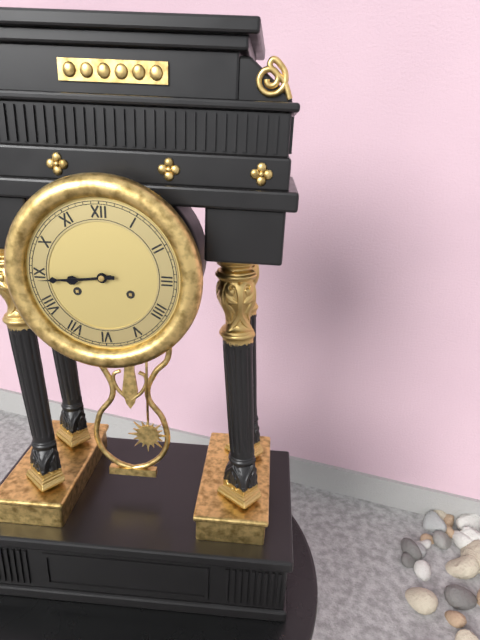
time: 8:44
